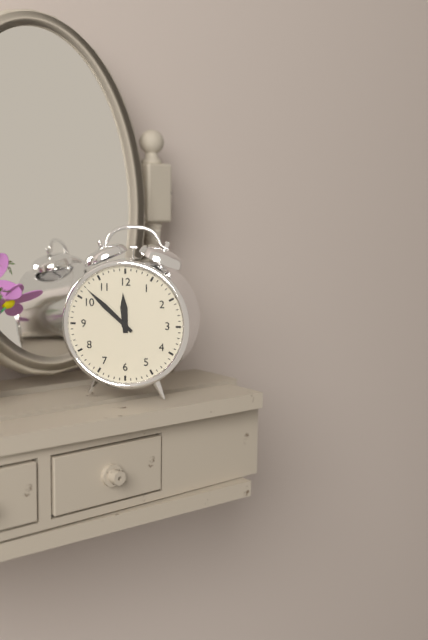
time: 11:52
